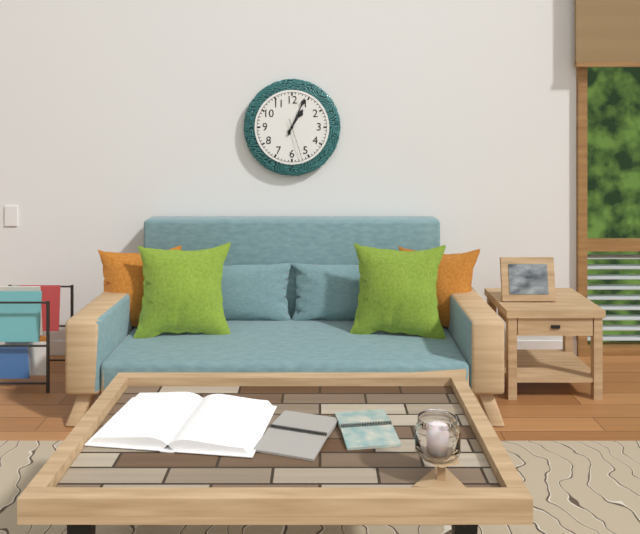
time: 1:04
